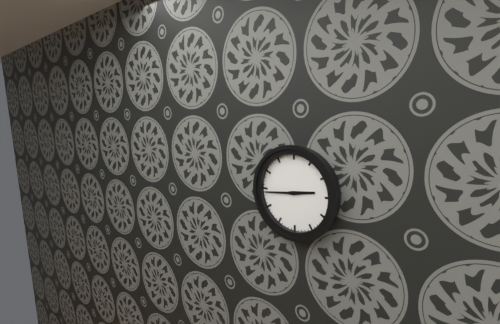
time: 2:44
